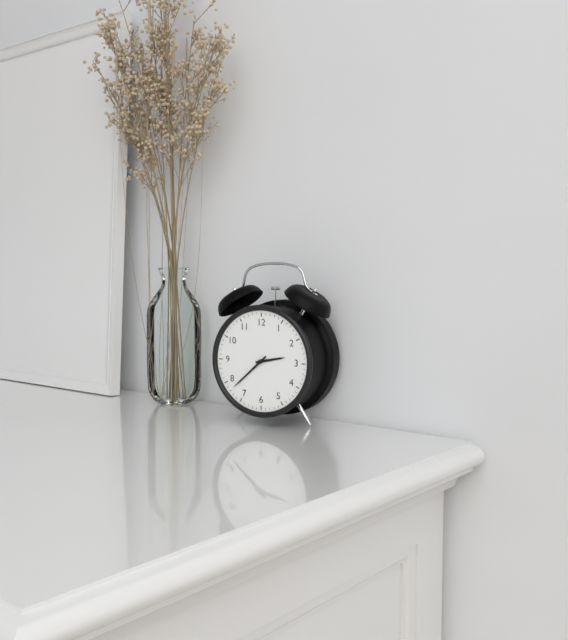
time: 2:38
